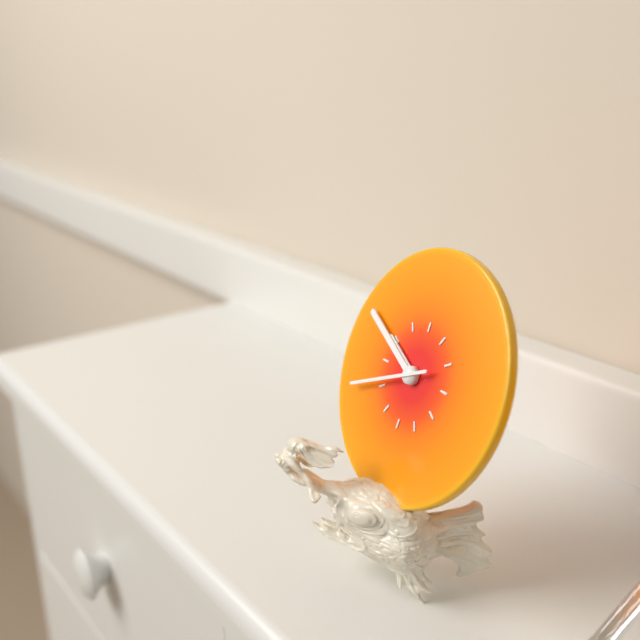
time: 9:49:41
